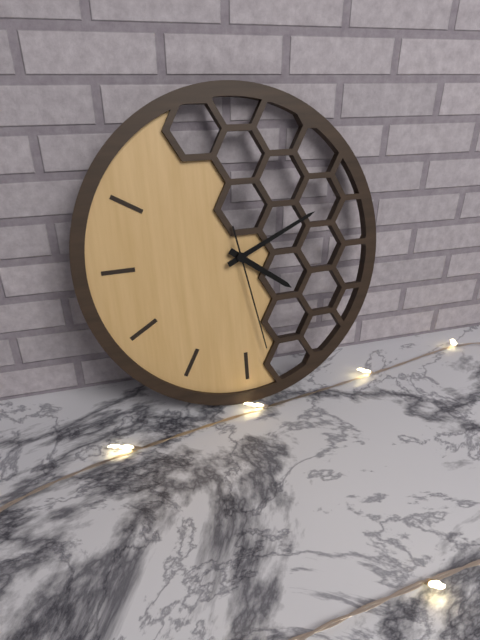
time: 4:11:28
